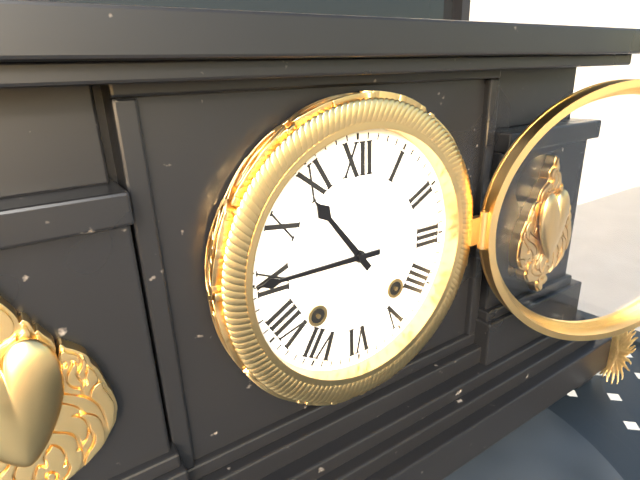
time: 10:45
